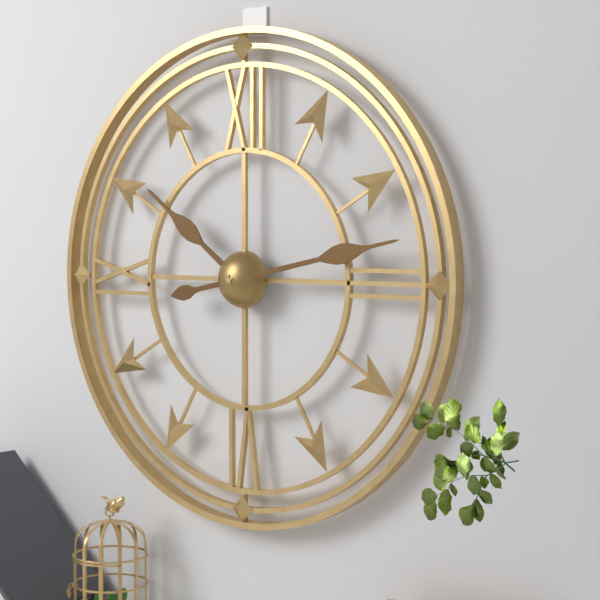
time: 10:13
